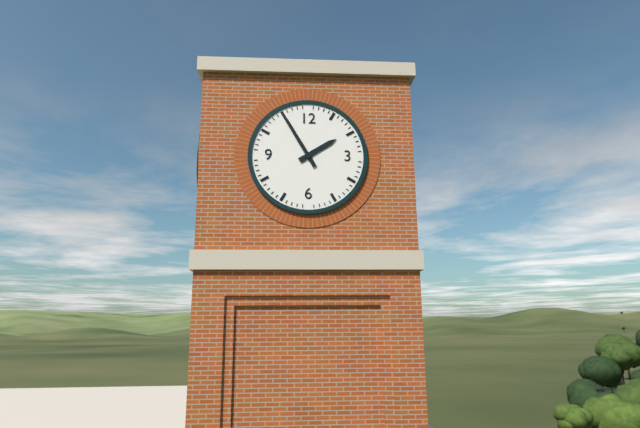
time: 1:55
